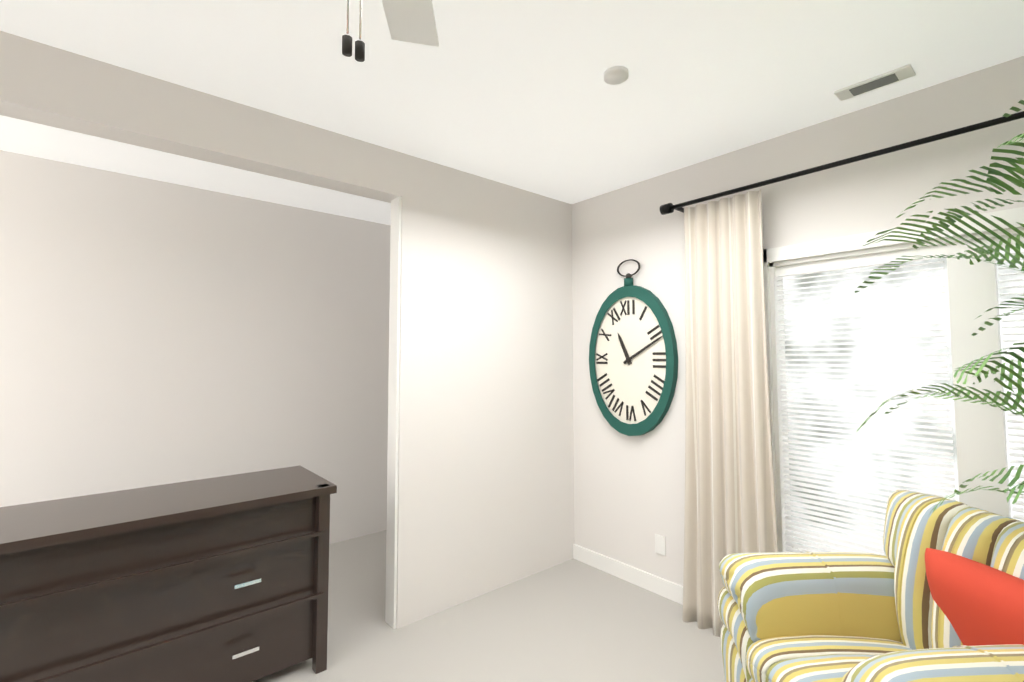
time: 11:10
